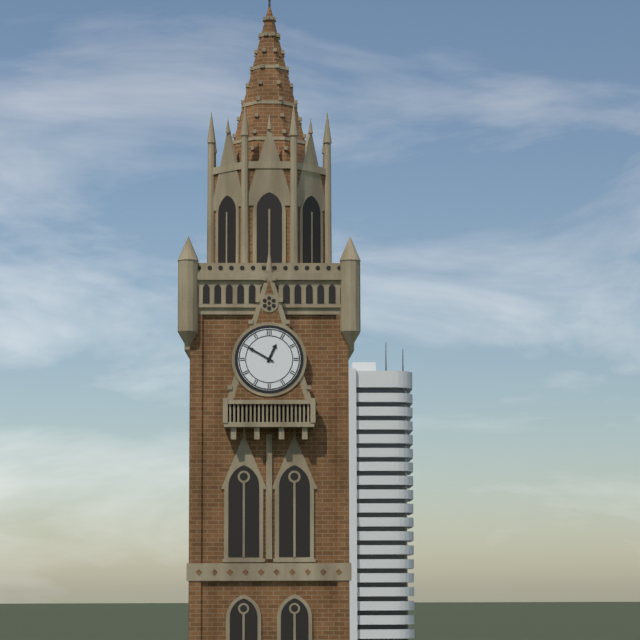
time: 12:50
